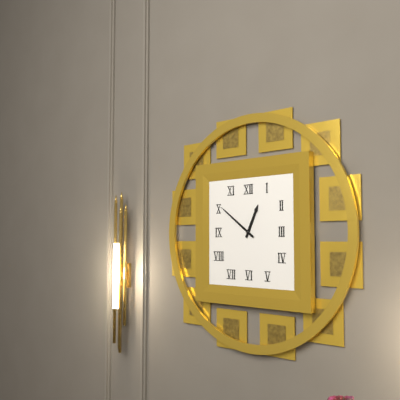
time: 12:51
